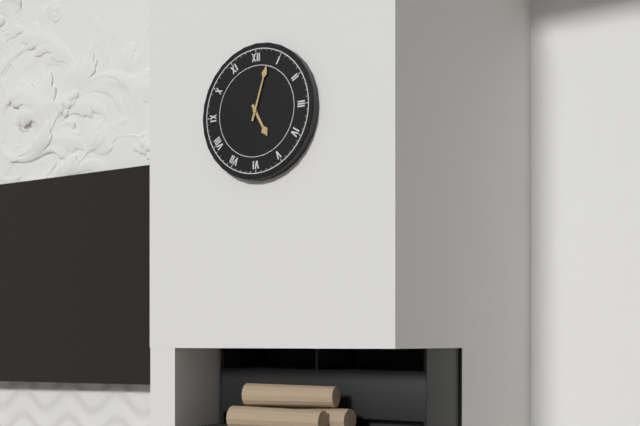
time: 5:03
